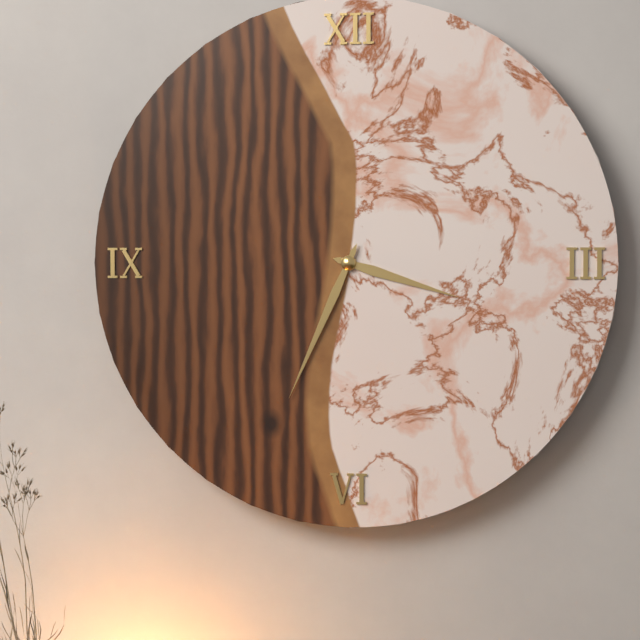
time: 3:34
